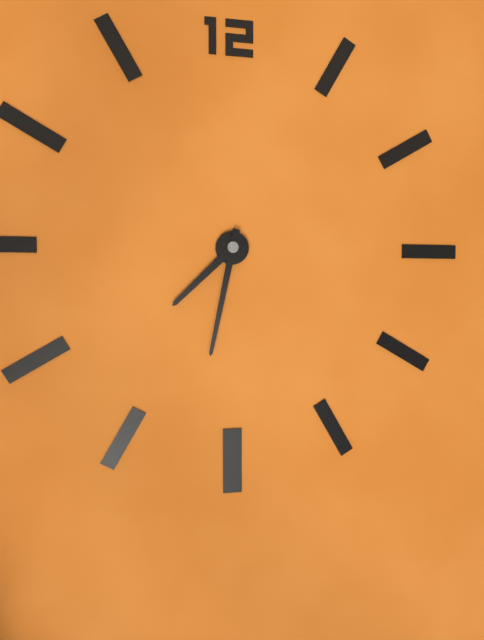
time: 7:32
